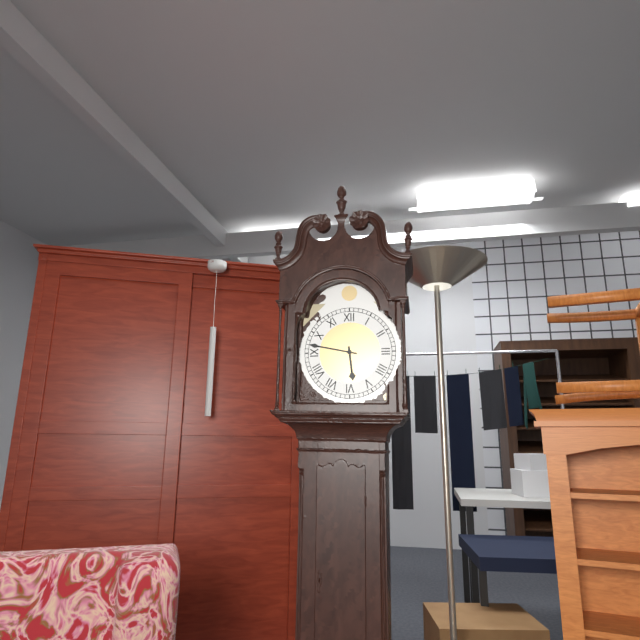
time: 5:47
